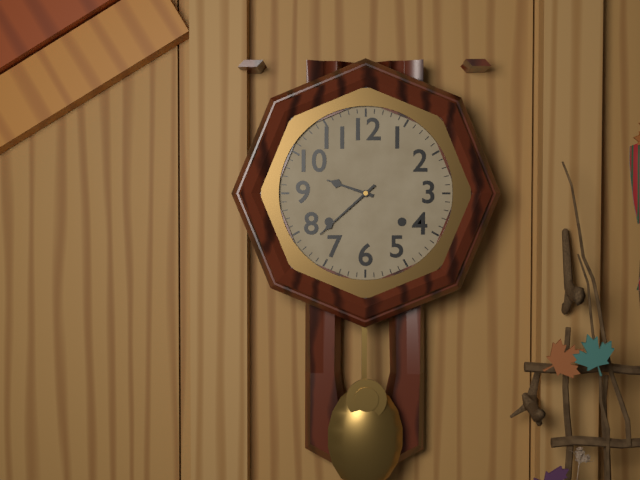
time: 9:38
